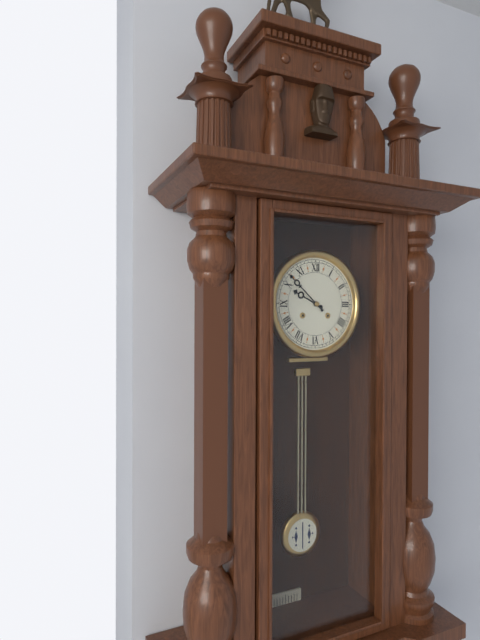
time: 9:52
